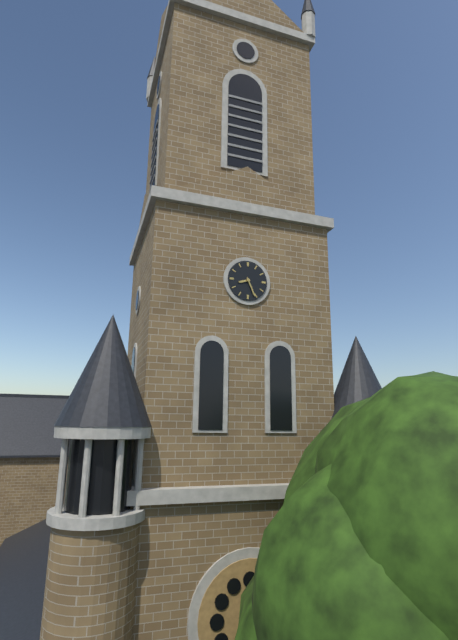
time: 8:26
